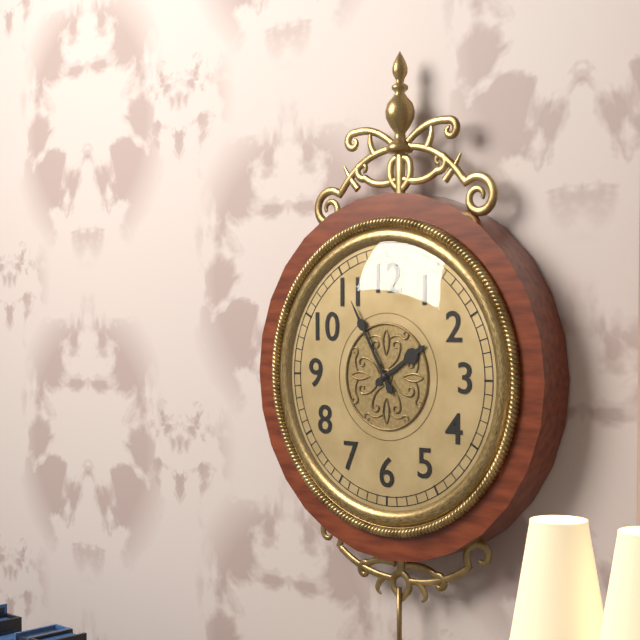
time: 1:55
